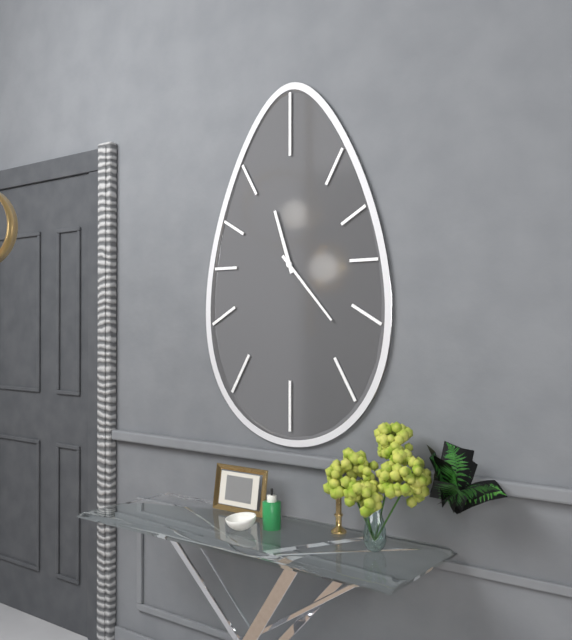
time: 11:23
